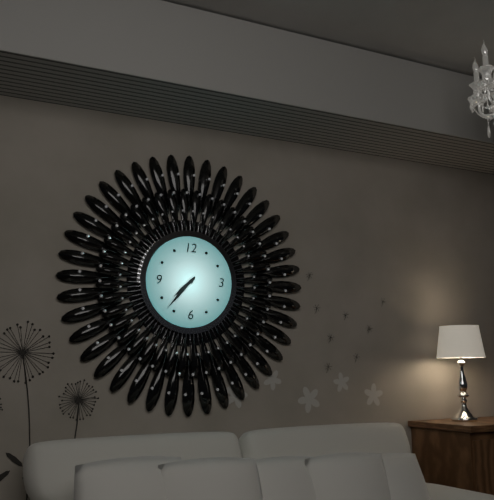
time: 7:37
